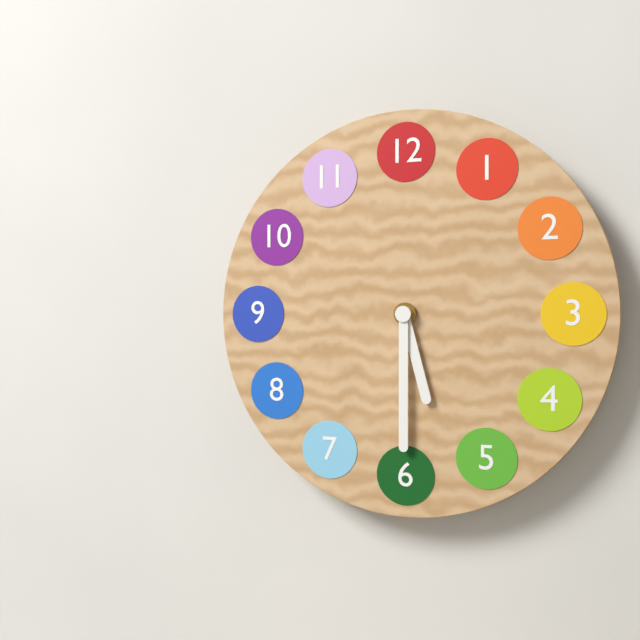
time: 5:30
